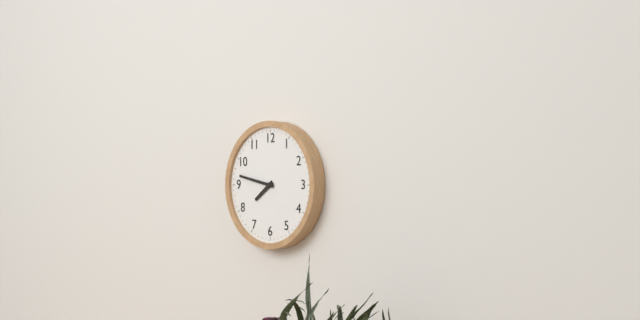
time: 7:47
